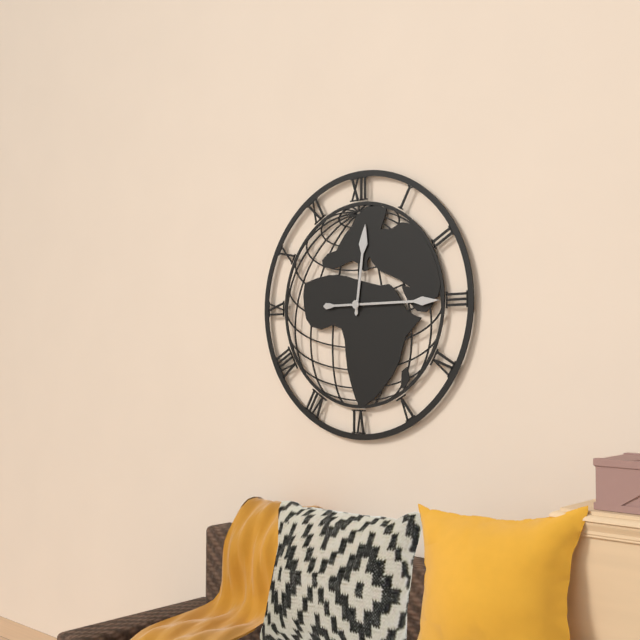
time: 12:15
